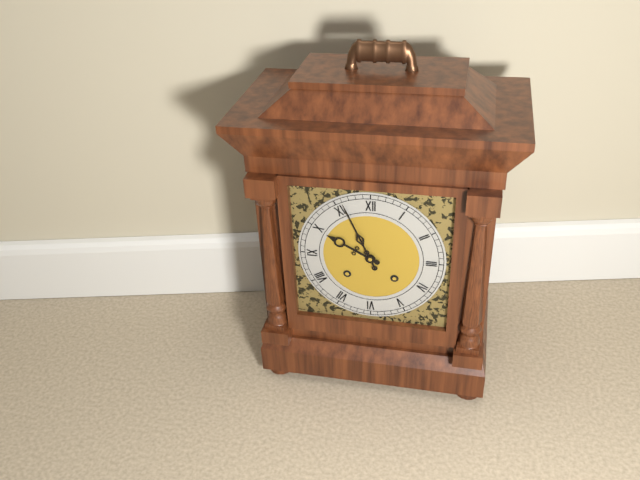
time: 9:56
